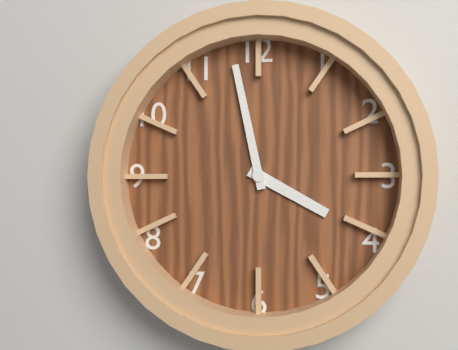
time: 3:58
